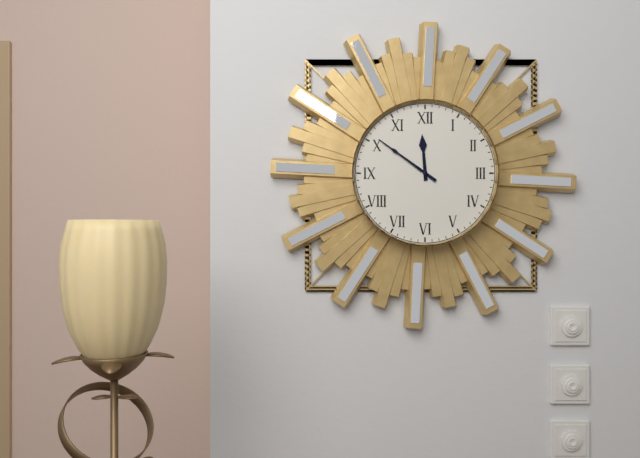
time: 11:51
